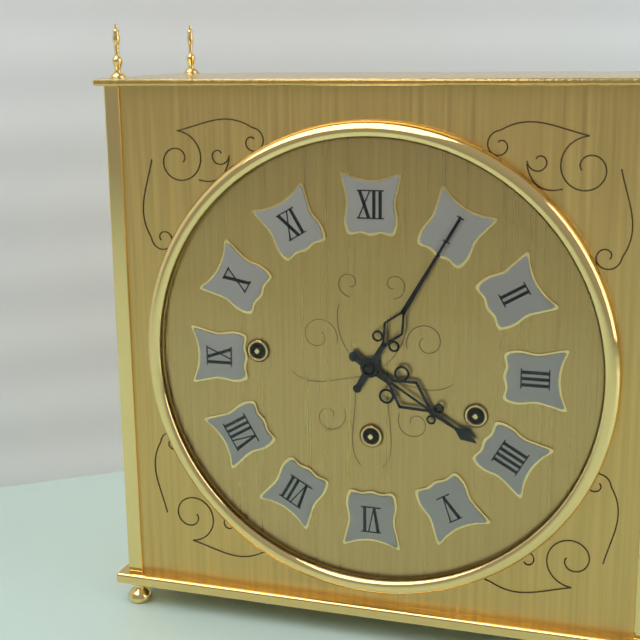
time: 4:05
